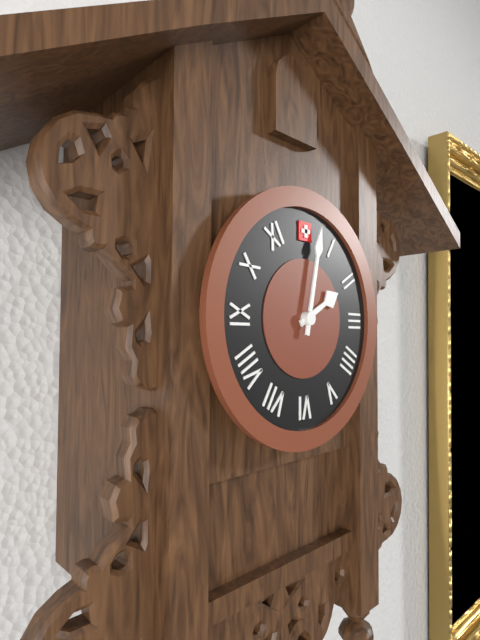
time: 2:02
